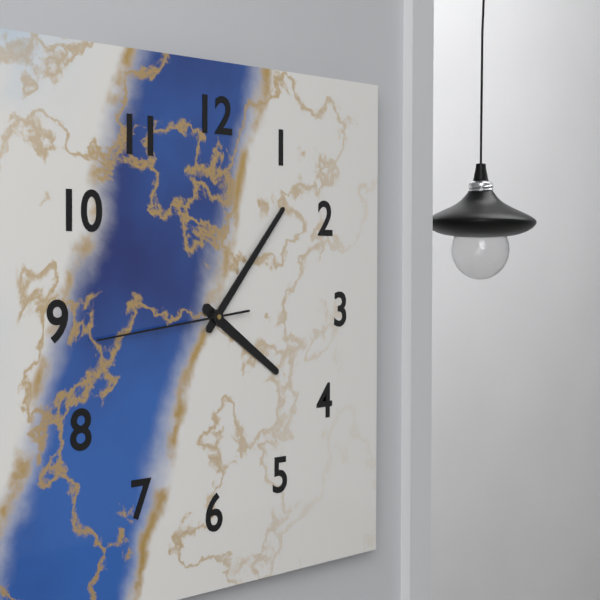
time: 4:07:44
